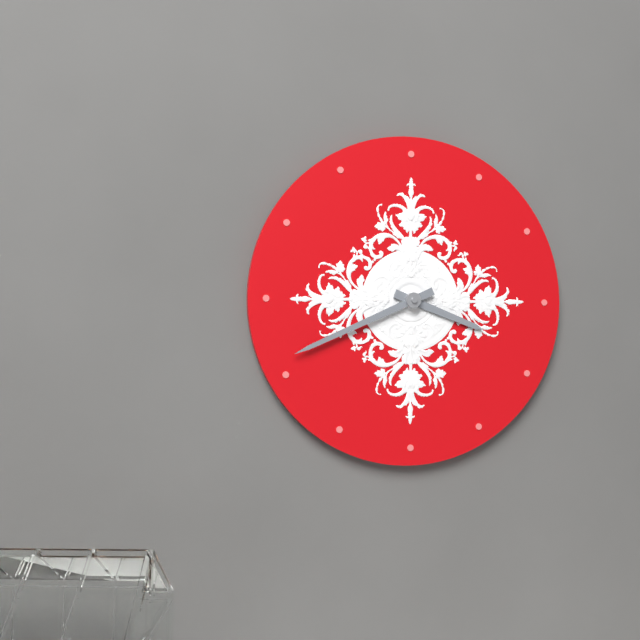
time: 3:41
